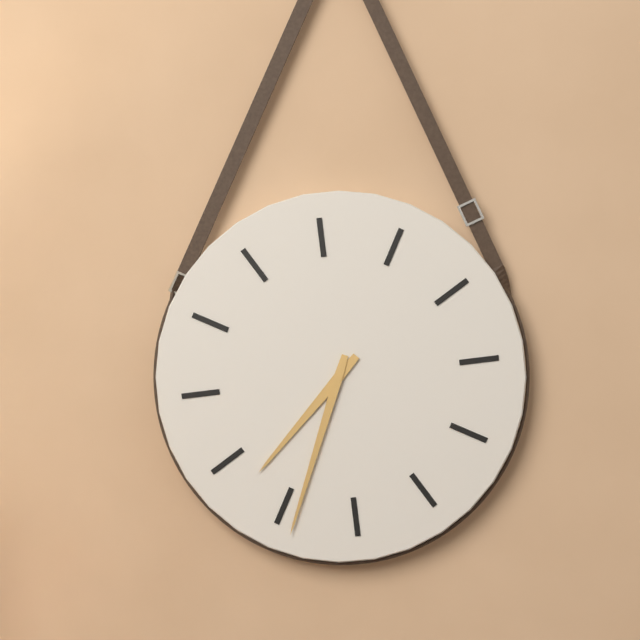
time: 7:34
